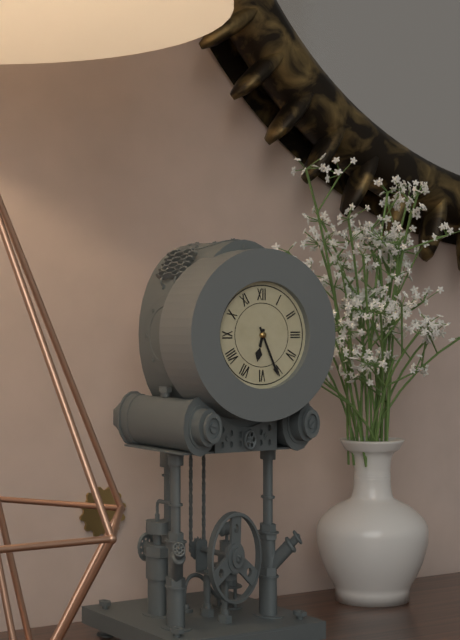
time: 6:26
